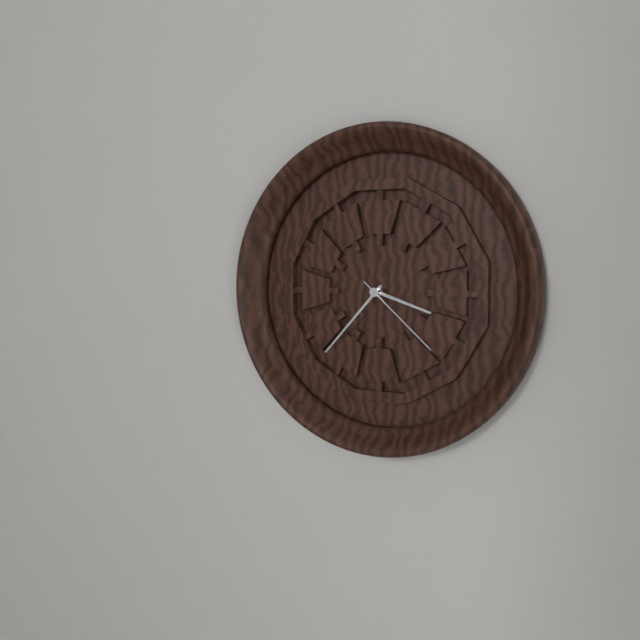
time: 3:37:22
